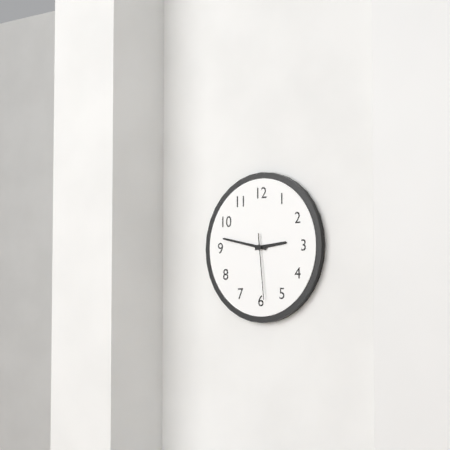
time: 2:47:29
